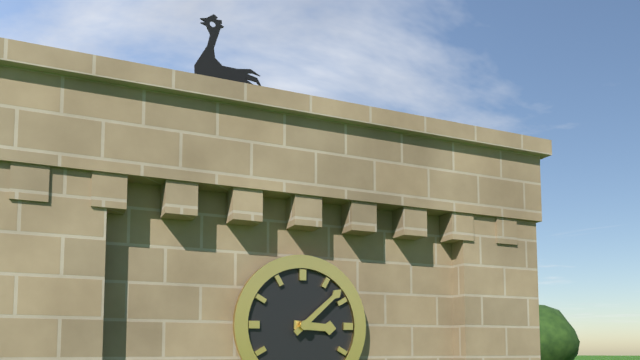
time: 3:08
